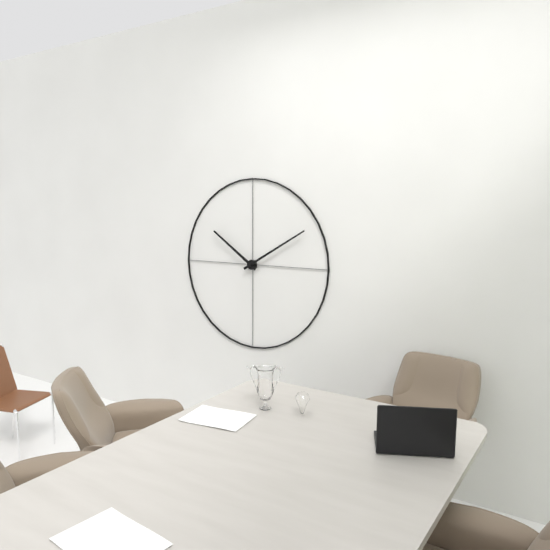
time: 10:10
